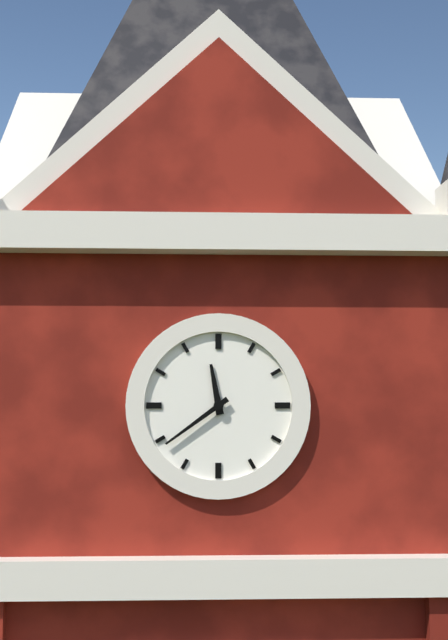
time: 11:39
